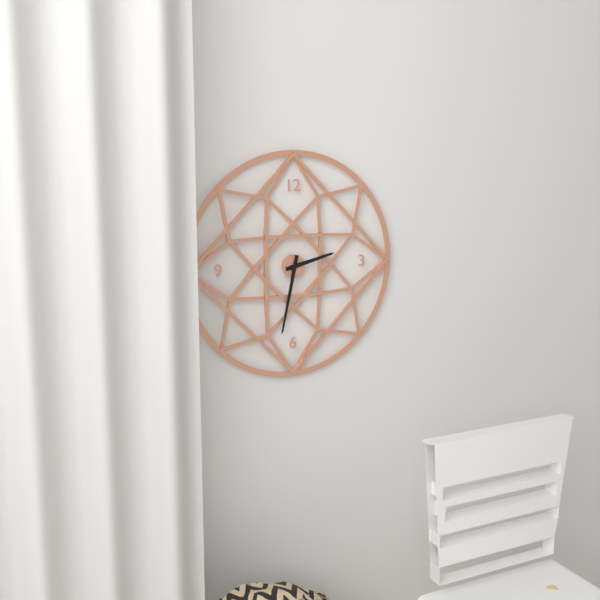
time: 2:32
